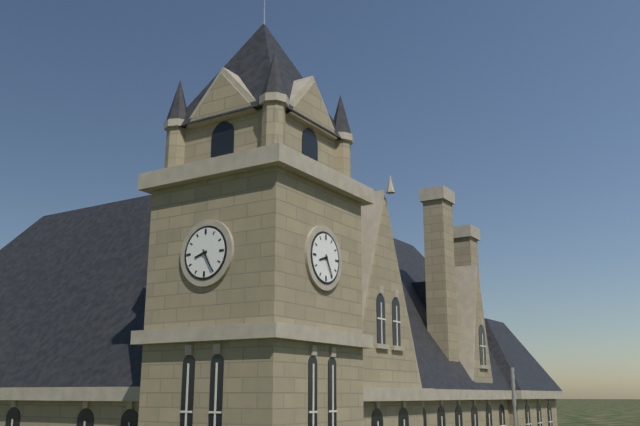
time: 8:25
